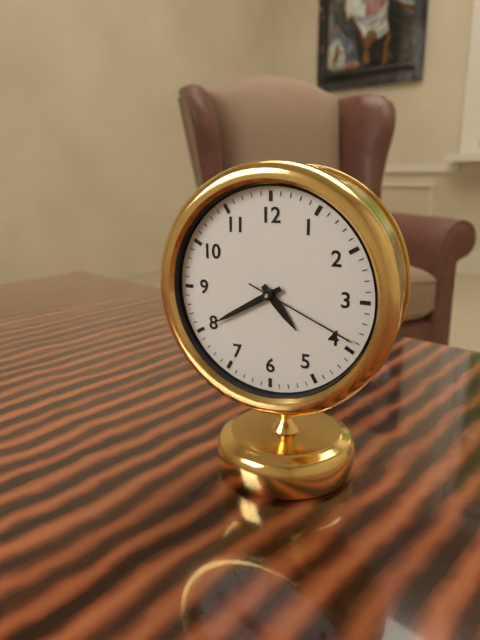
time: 4:40:19
